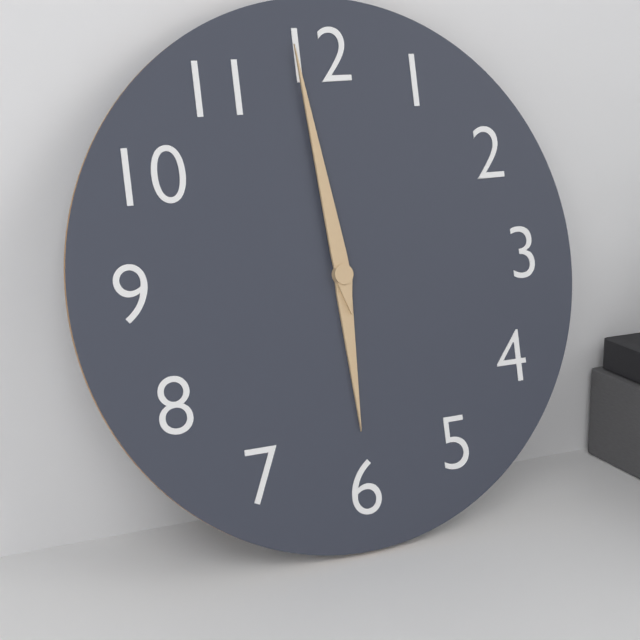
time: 5:59
